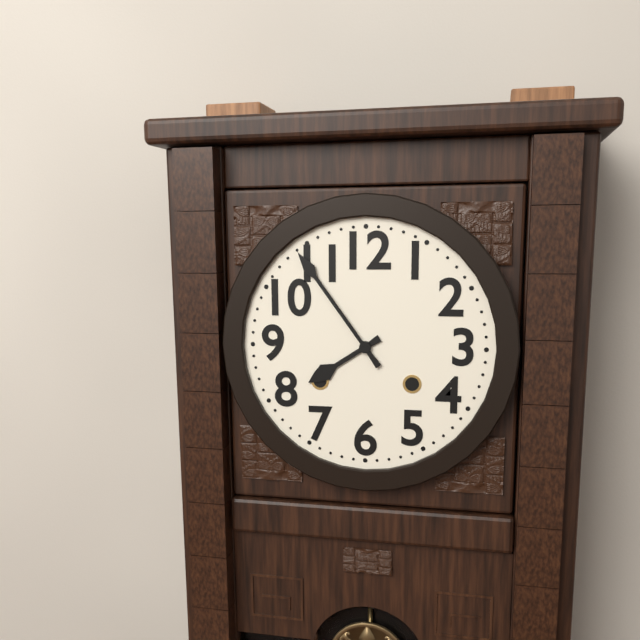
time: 7:54
